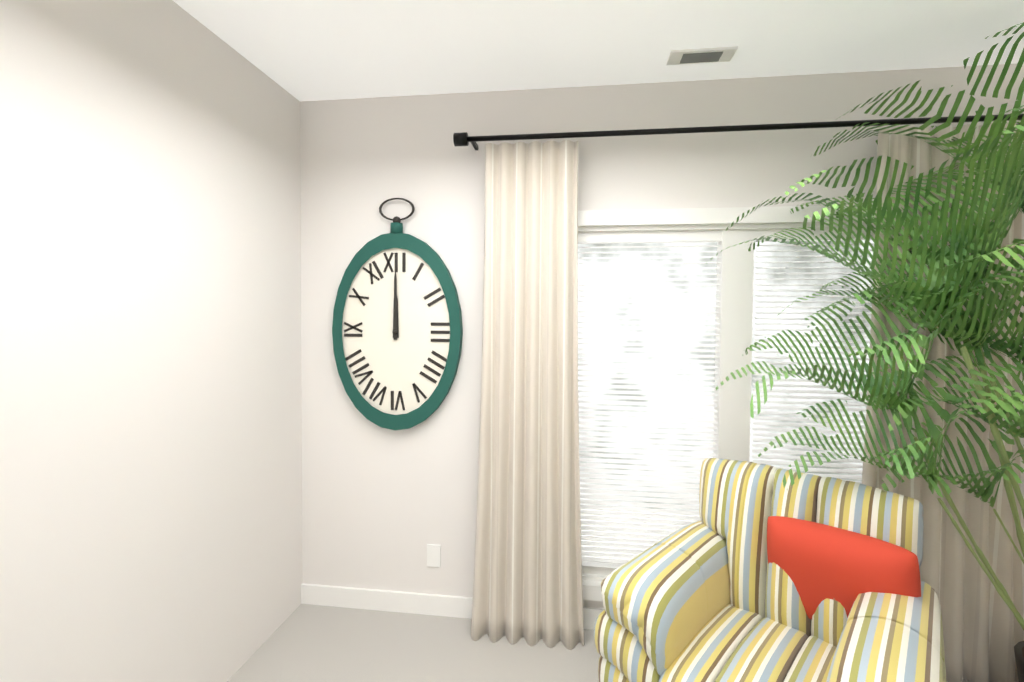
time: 12:00
